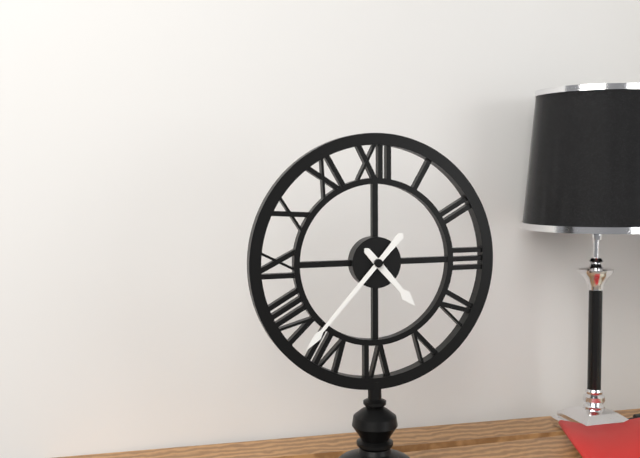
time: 4:37
